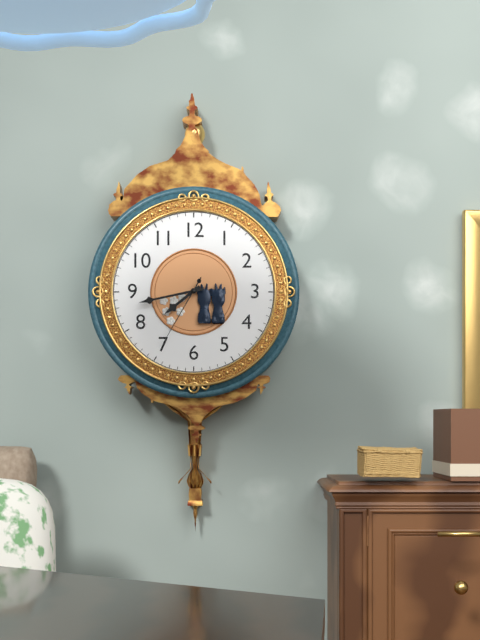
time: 7:43:35
